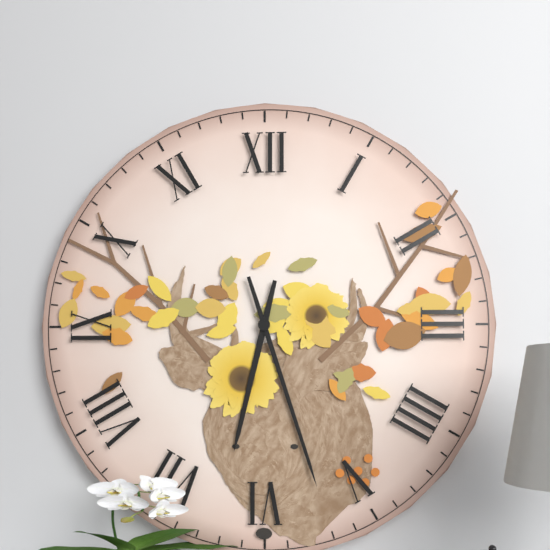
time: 6:27
